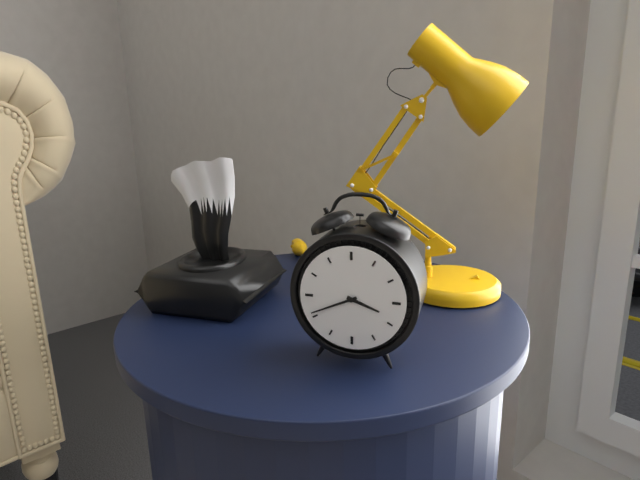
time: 3:41
